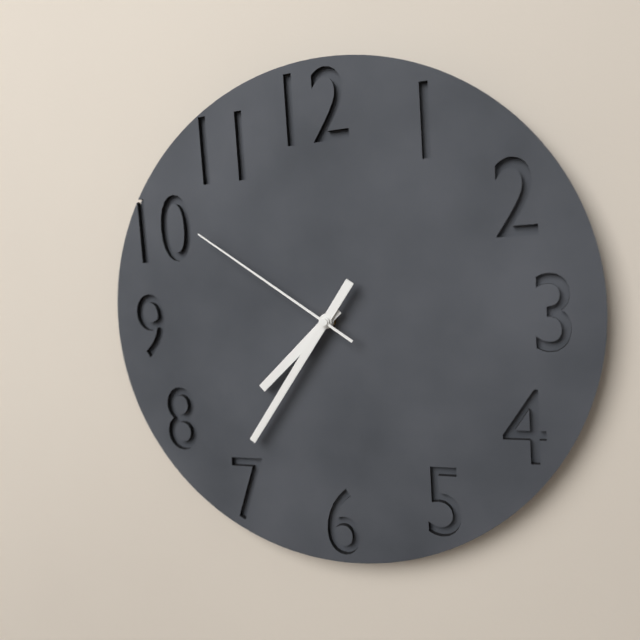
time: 7:36:51
